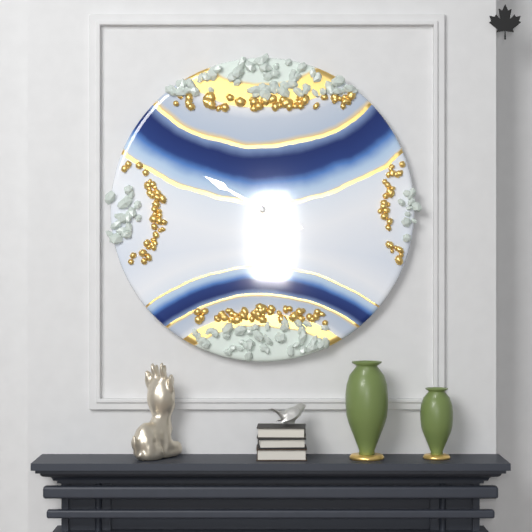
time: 3:50
